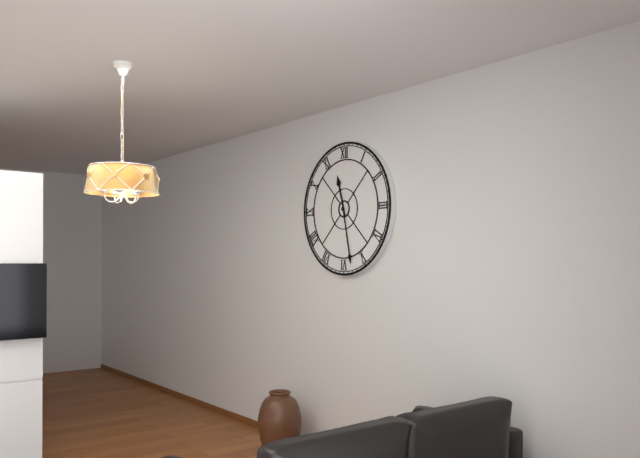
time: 11:28
